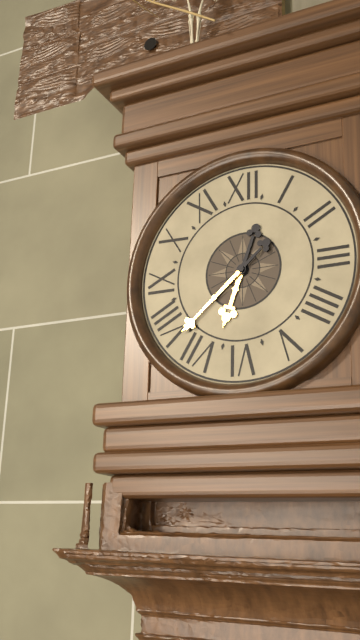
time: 6:38
